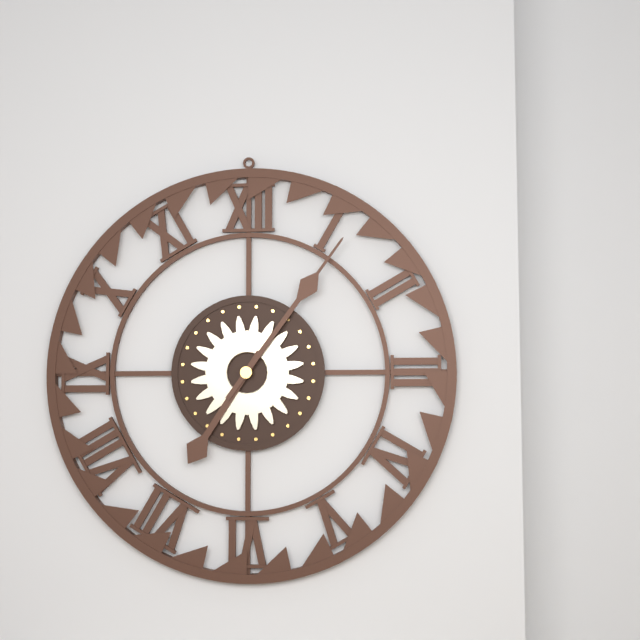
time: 7:06
